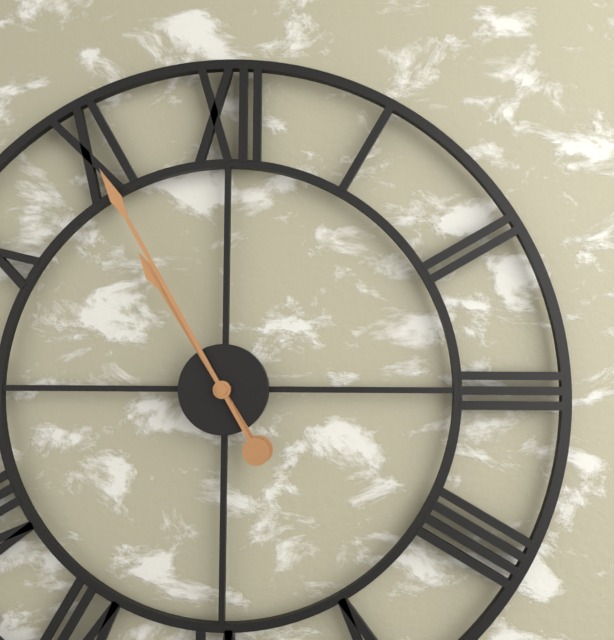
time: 10:55
